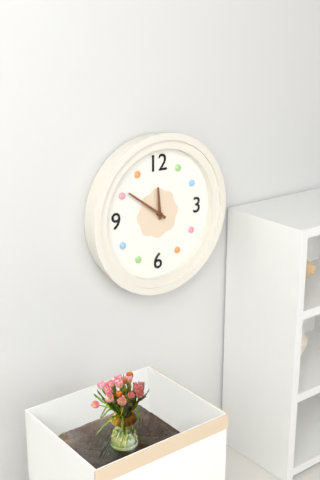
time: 11:51
